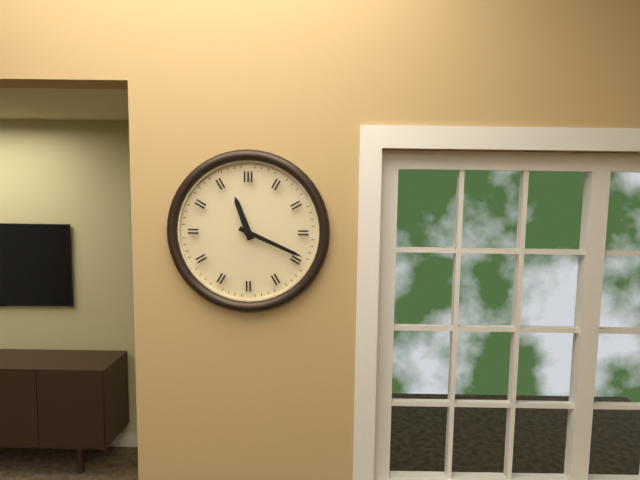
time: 11:19
